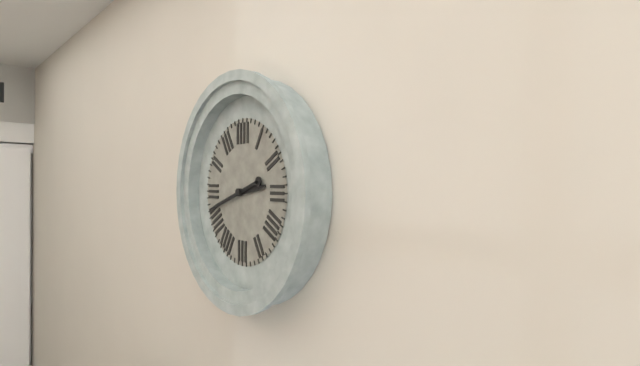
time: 2:42
